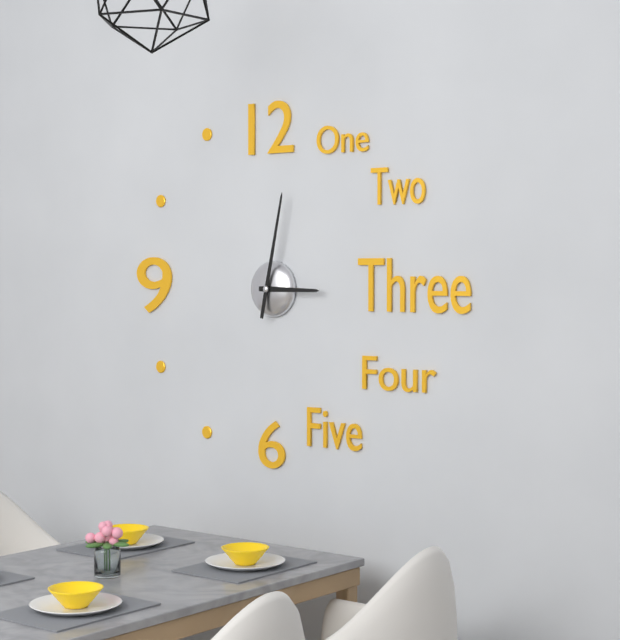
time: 3:02
